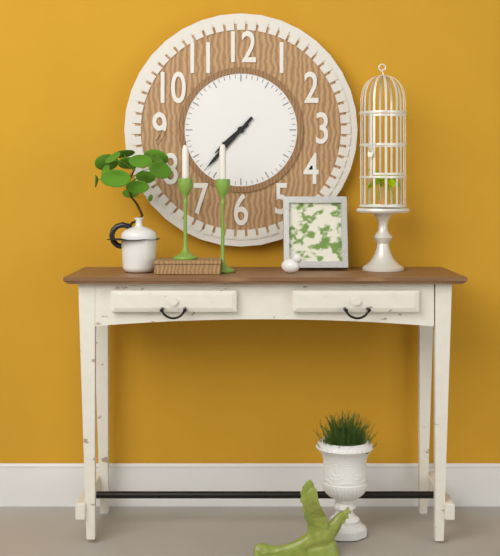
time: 7:37
